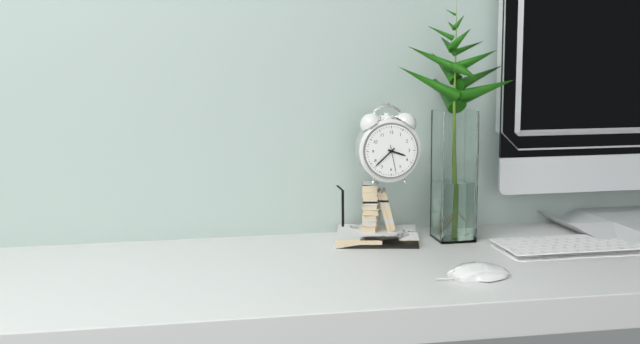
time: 3:38
